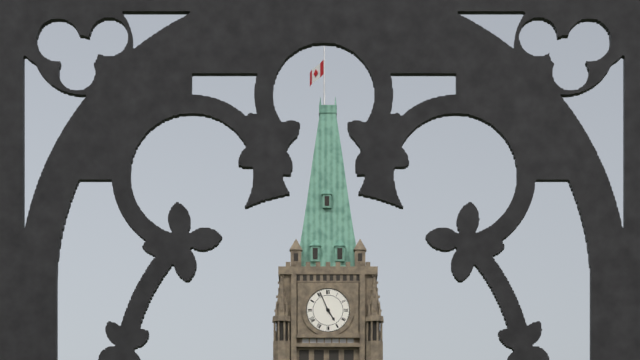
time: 4:56
